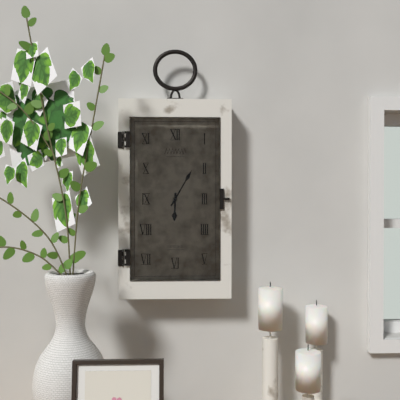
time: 6:05
